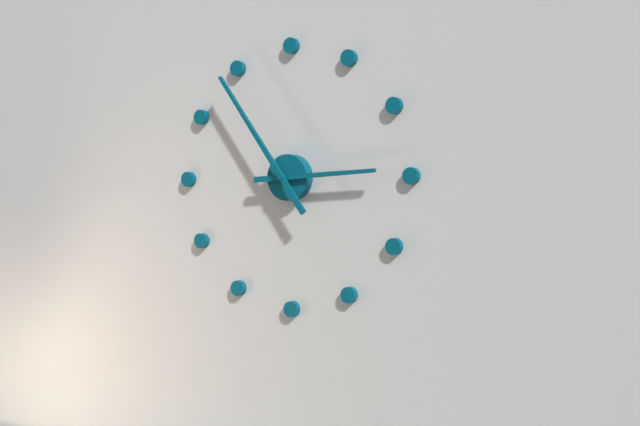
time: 2:54
